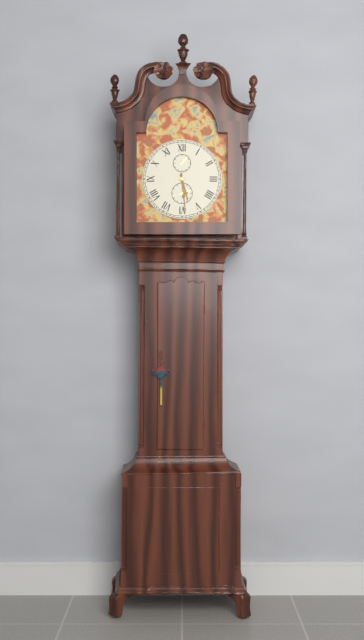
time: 5:29
